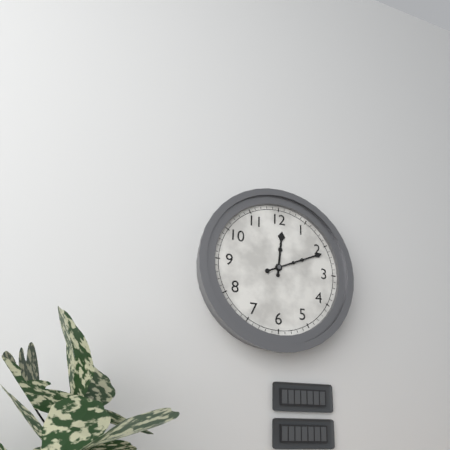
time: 12:11
